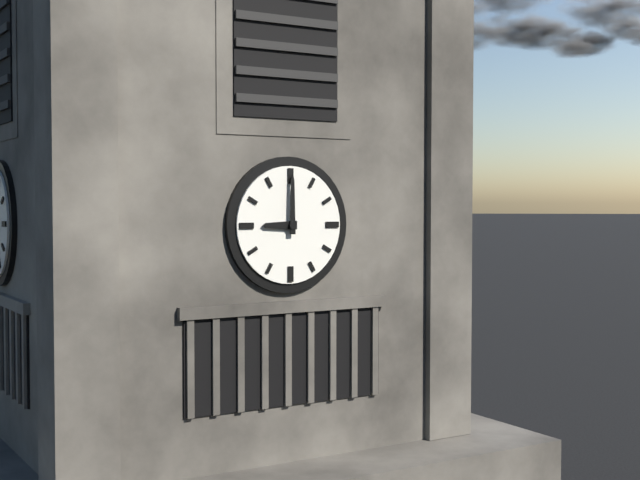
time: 9:00
